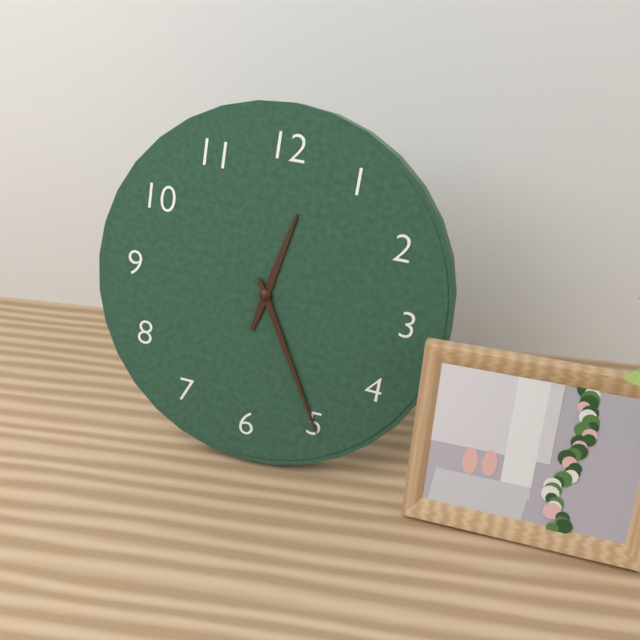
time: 12:25
